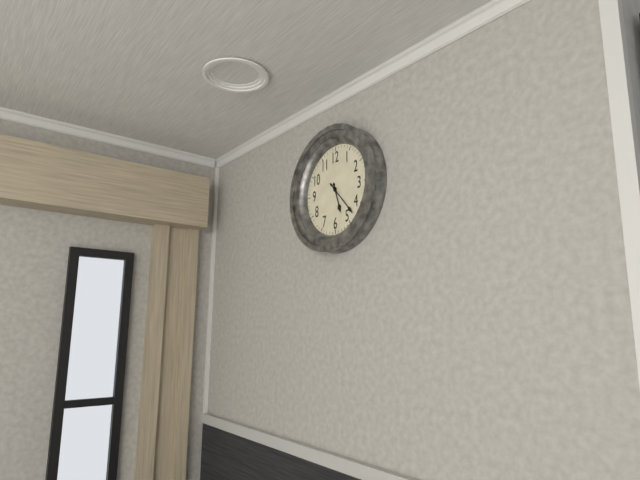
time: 5:23
